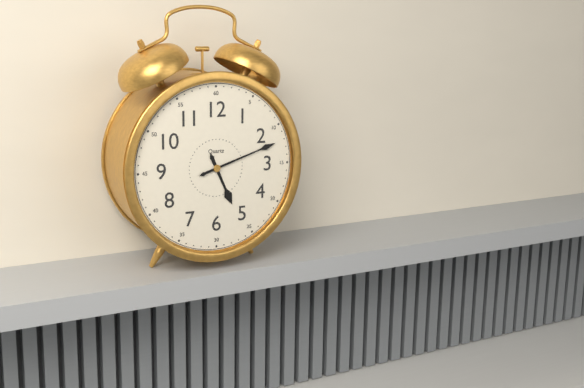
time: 5:12
